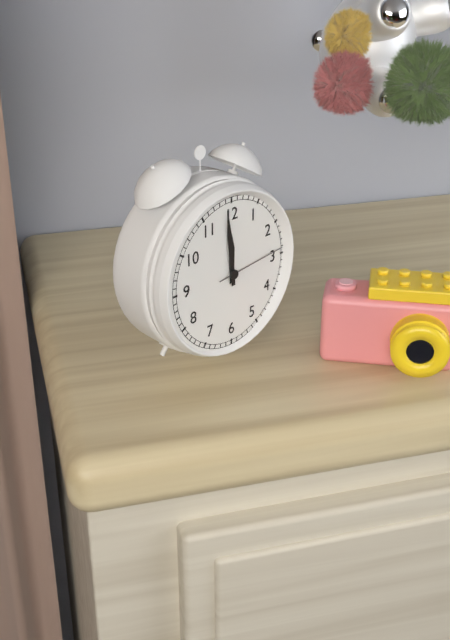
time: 11:59:14
